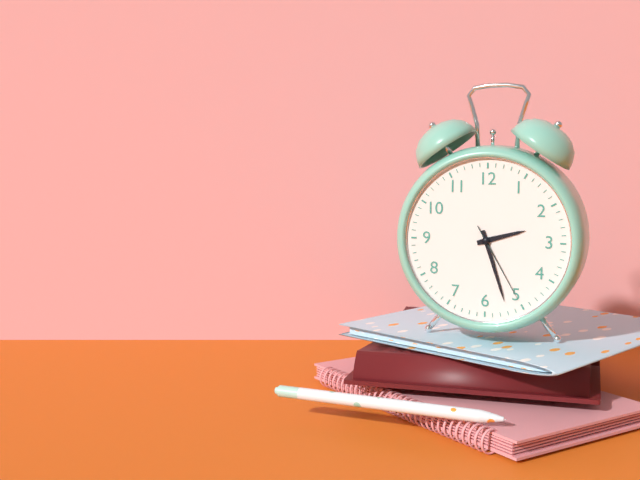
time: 2:27:25
